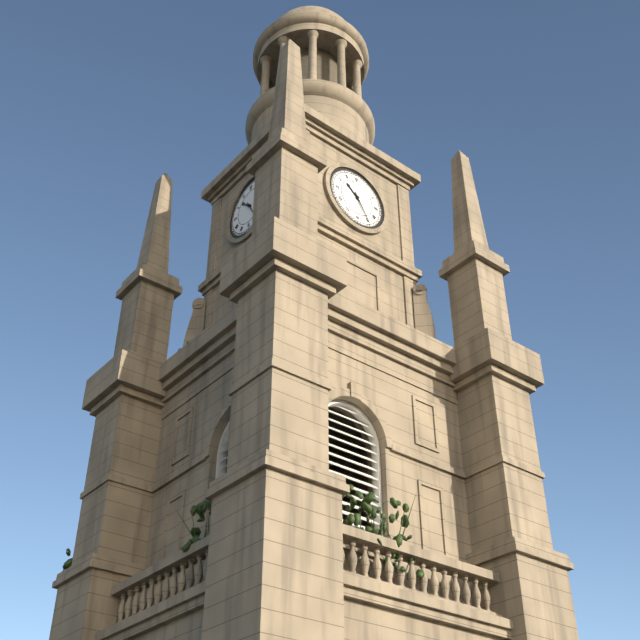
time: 10:25
